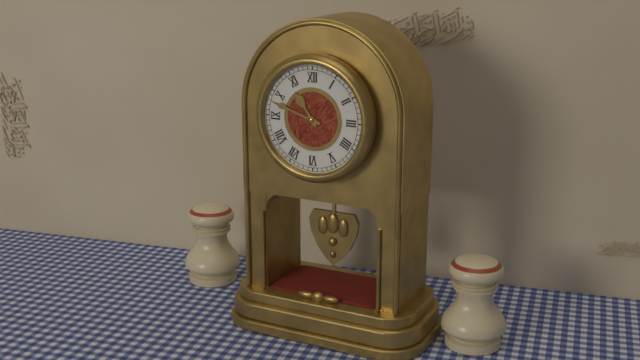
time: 10:48
